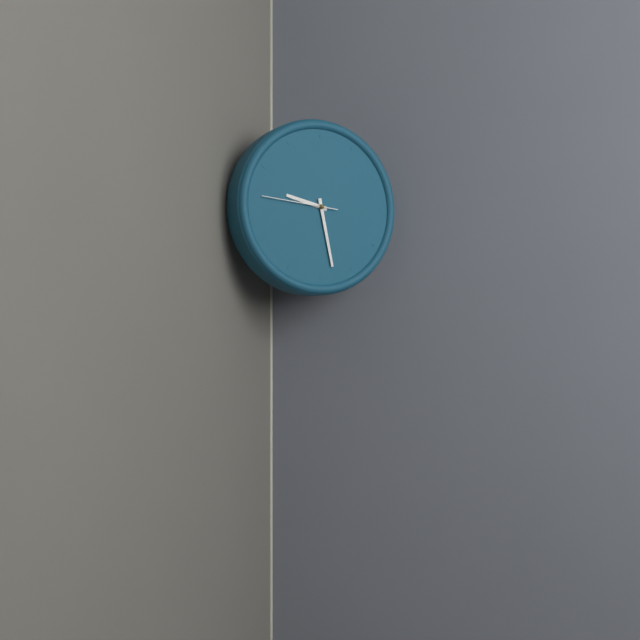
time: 9:28:46
